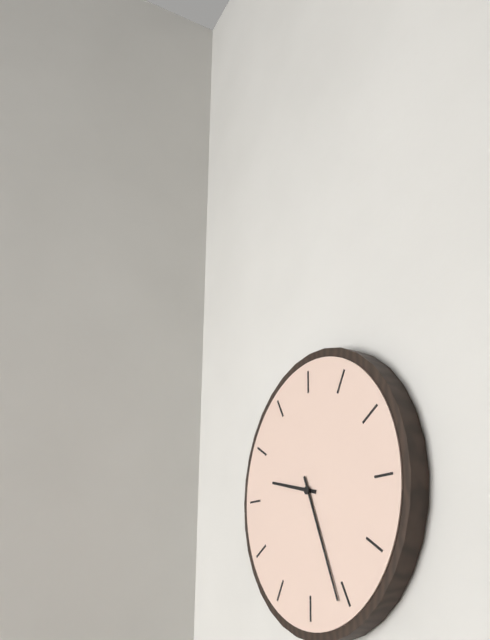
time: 9:26
